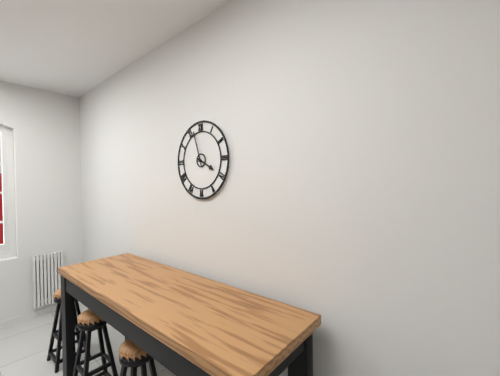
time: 3:57
